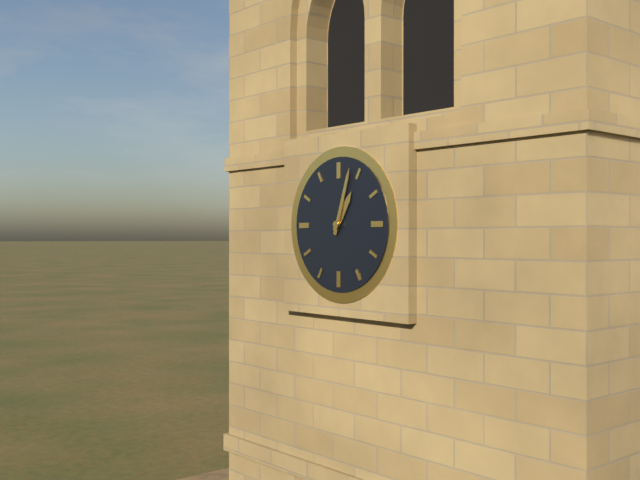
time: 1:03
